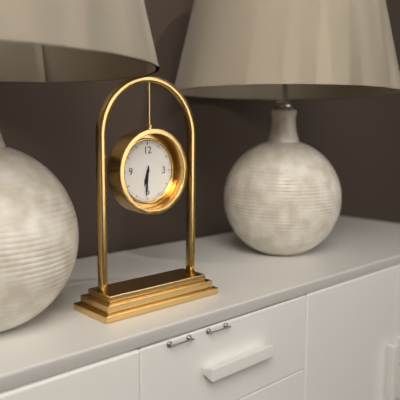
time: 6:31
